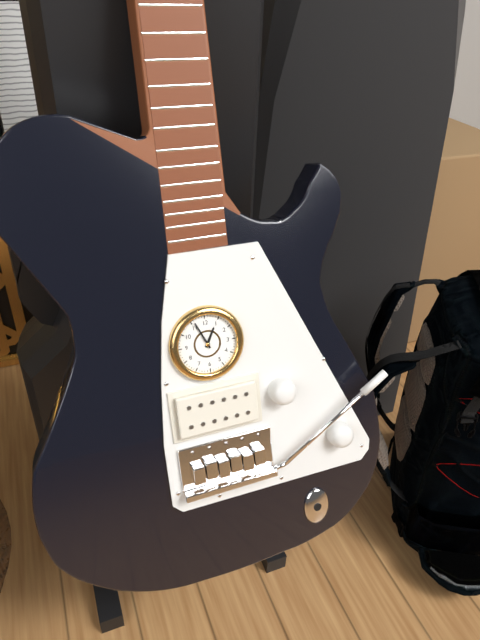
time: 12:56
